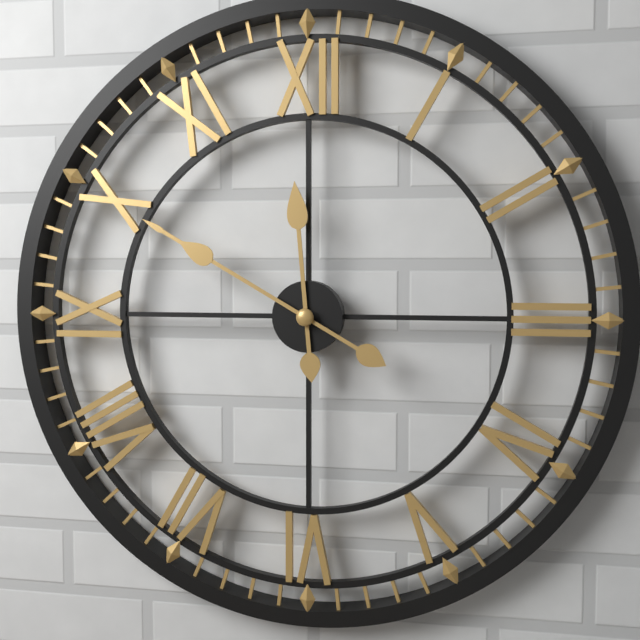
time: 11:50
